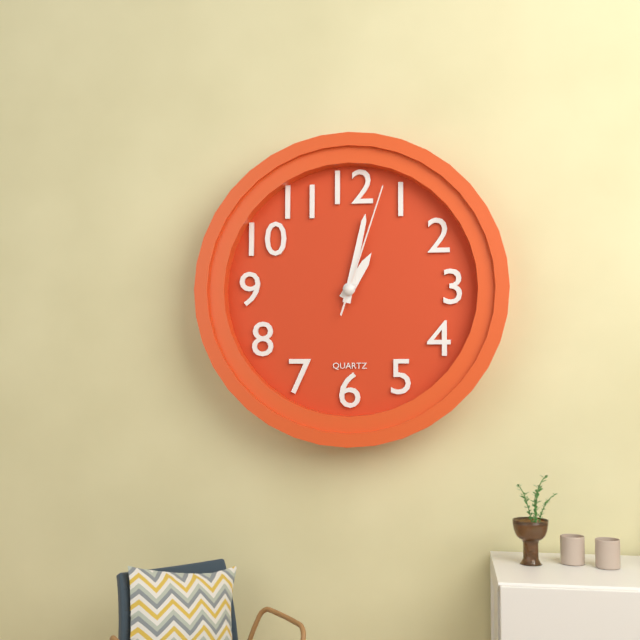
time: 1:02:03
